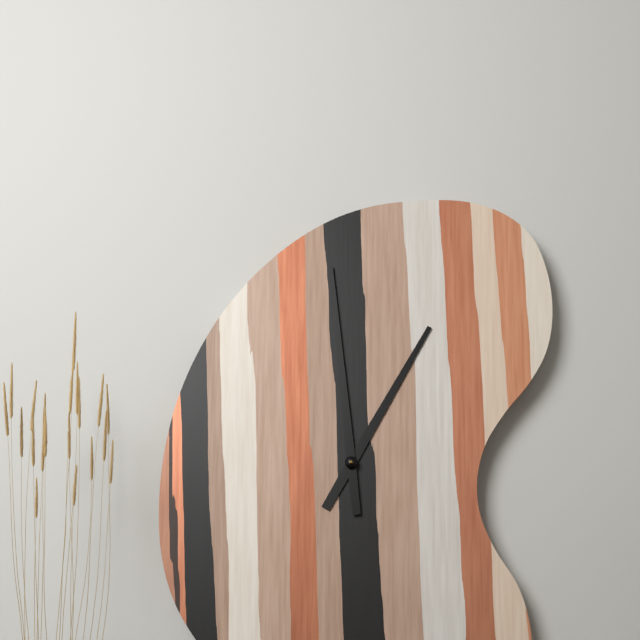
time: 12:59
